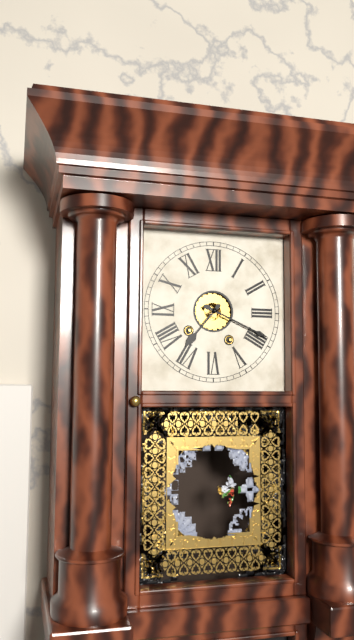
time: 7:19
